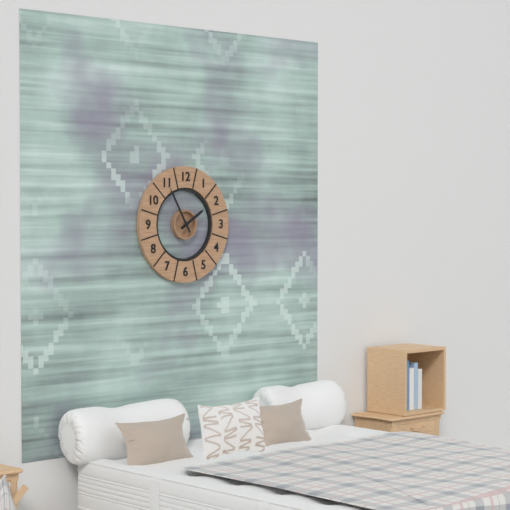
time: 1:55
